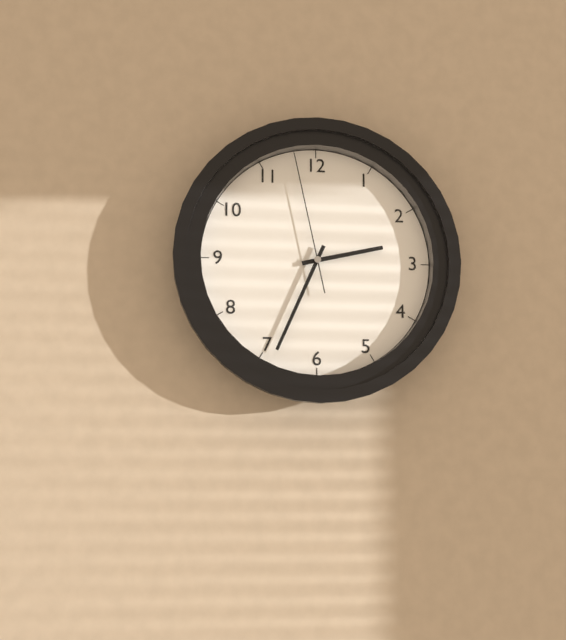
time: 2:34:58
